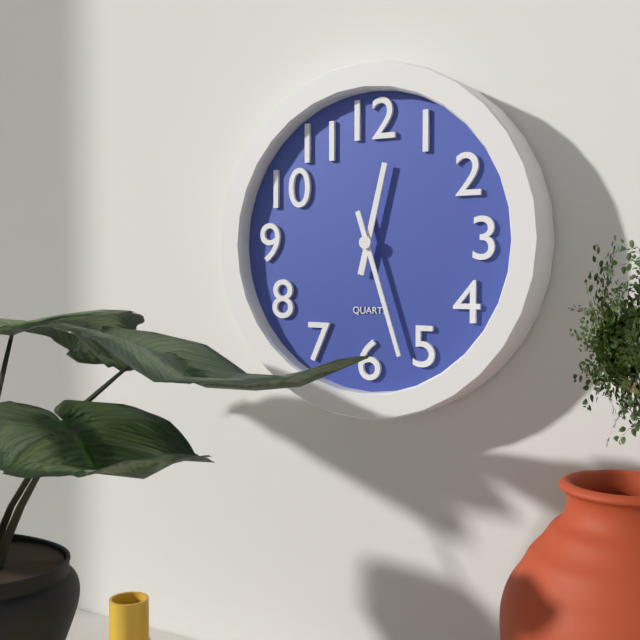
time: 12:27
